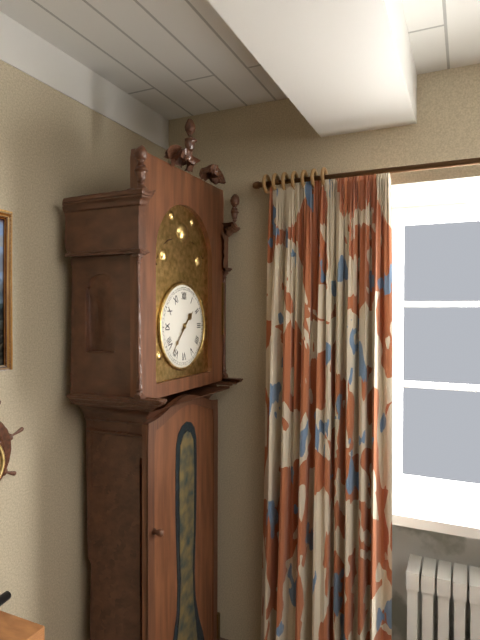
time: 1:37
